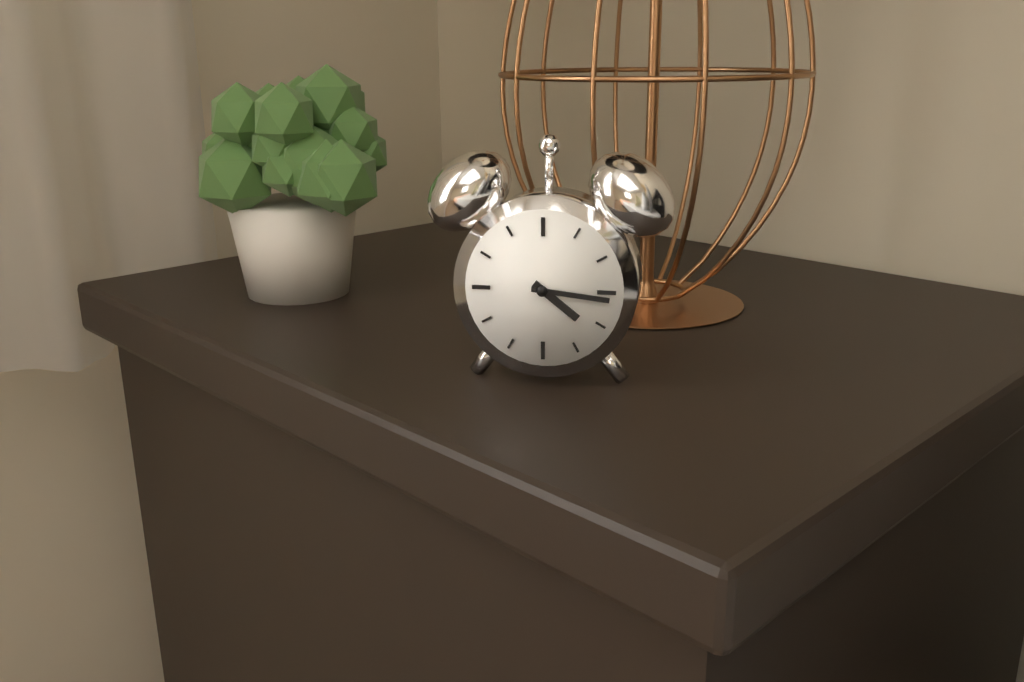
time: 4:16
